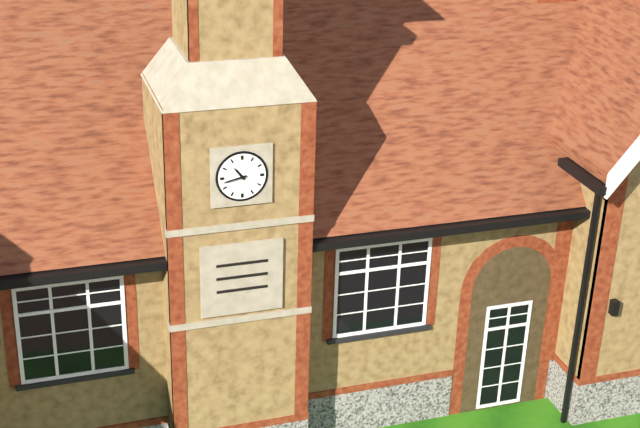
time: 10:43
